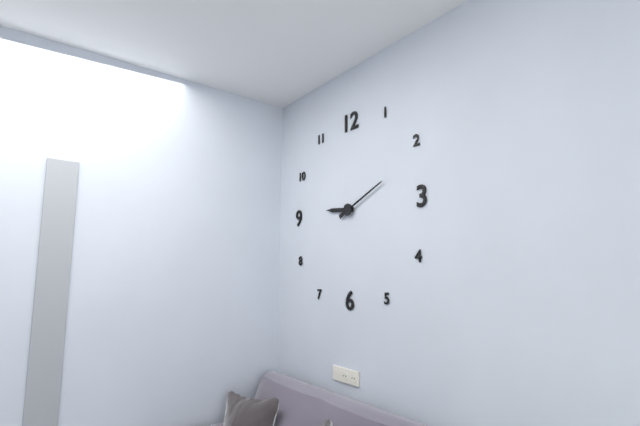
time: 9:11
